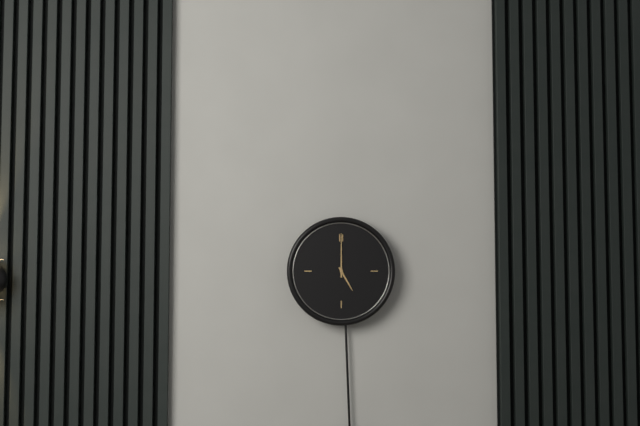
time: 5:00
